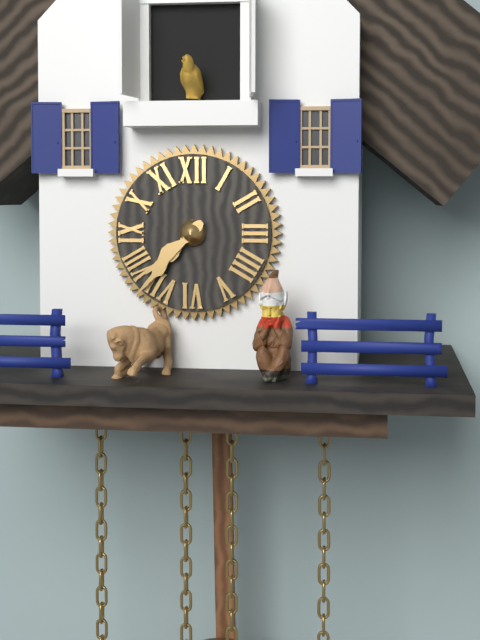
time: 7:37
